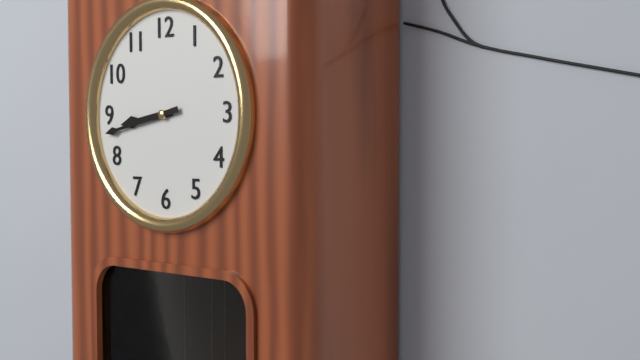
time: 8:43
